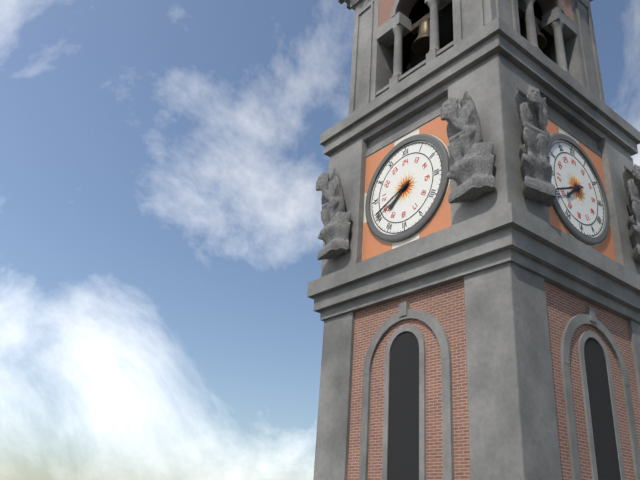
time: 7:41
